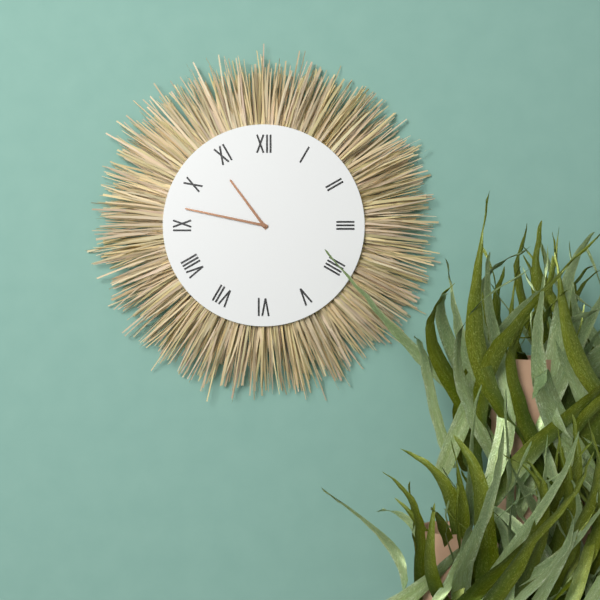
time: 10:47
